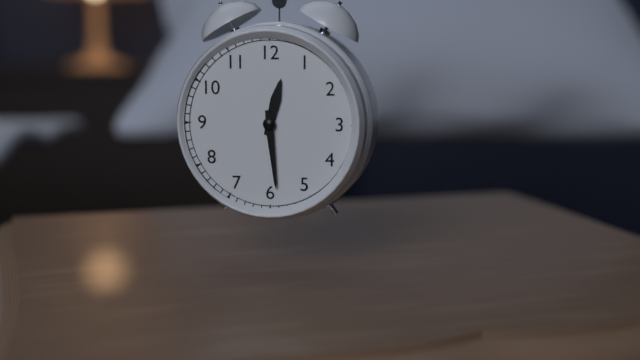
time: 12:29
